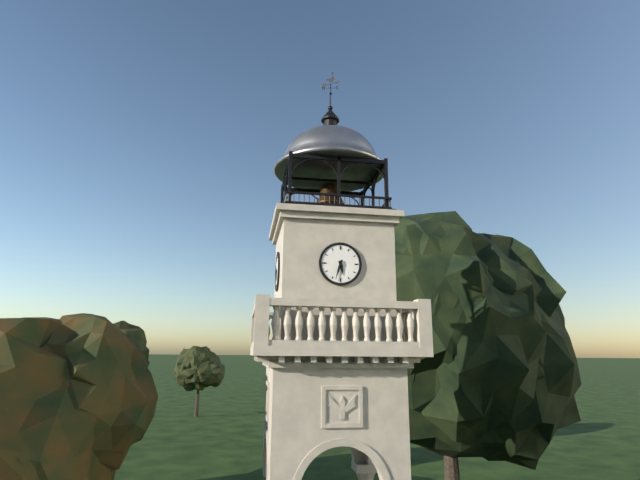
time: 5:33
